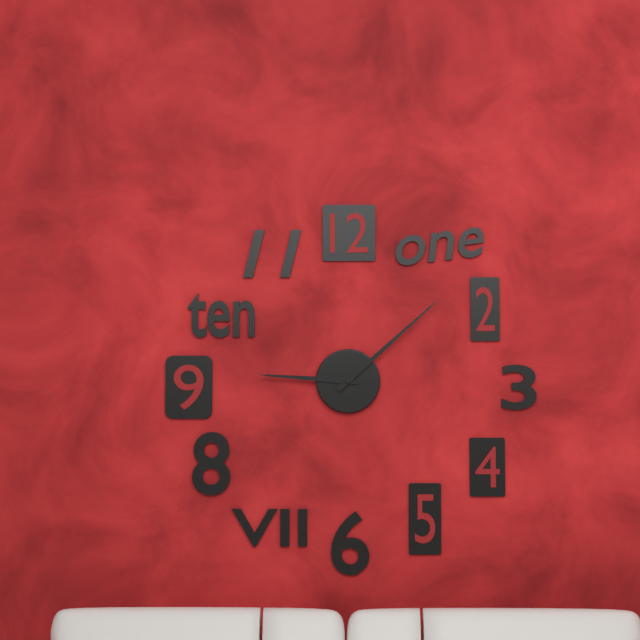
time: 9:08
